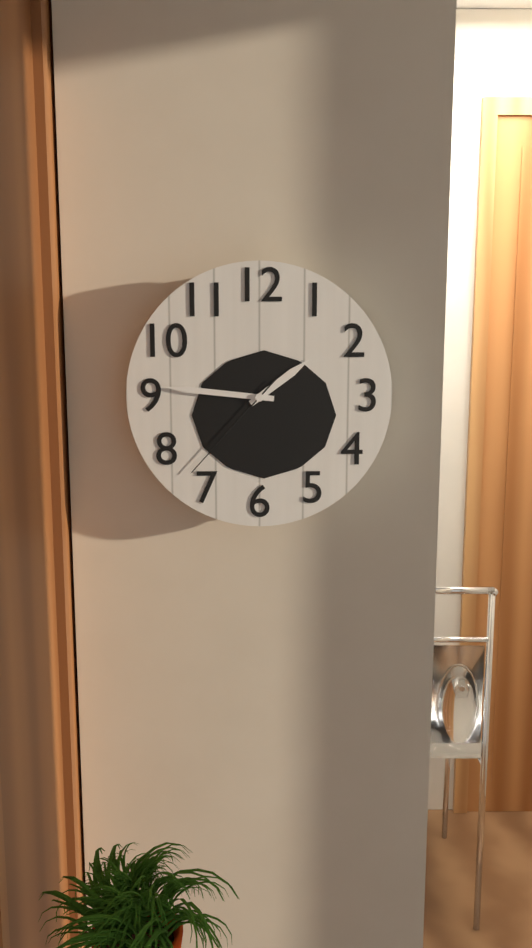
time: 1:46:37
